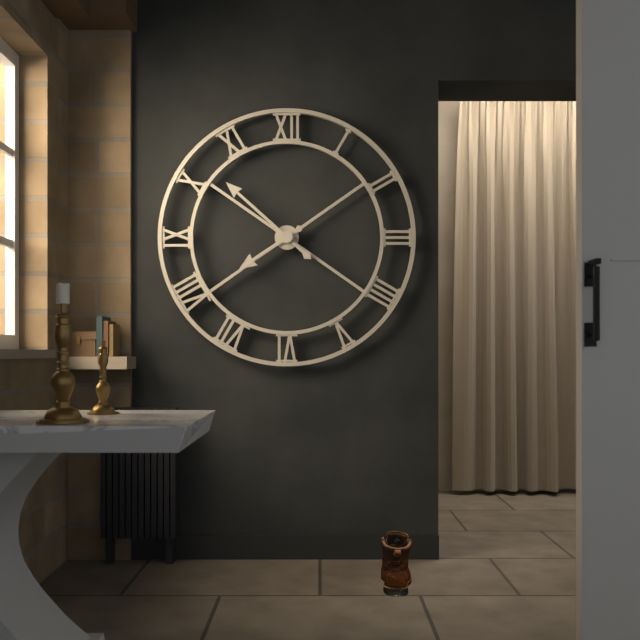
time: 7:52
